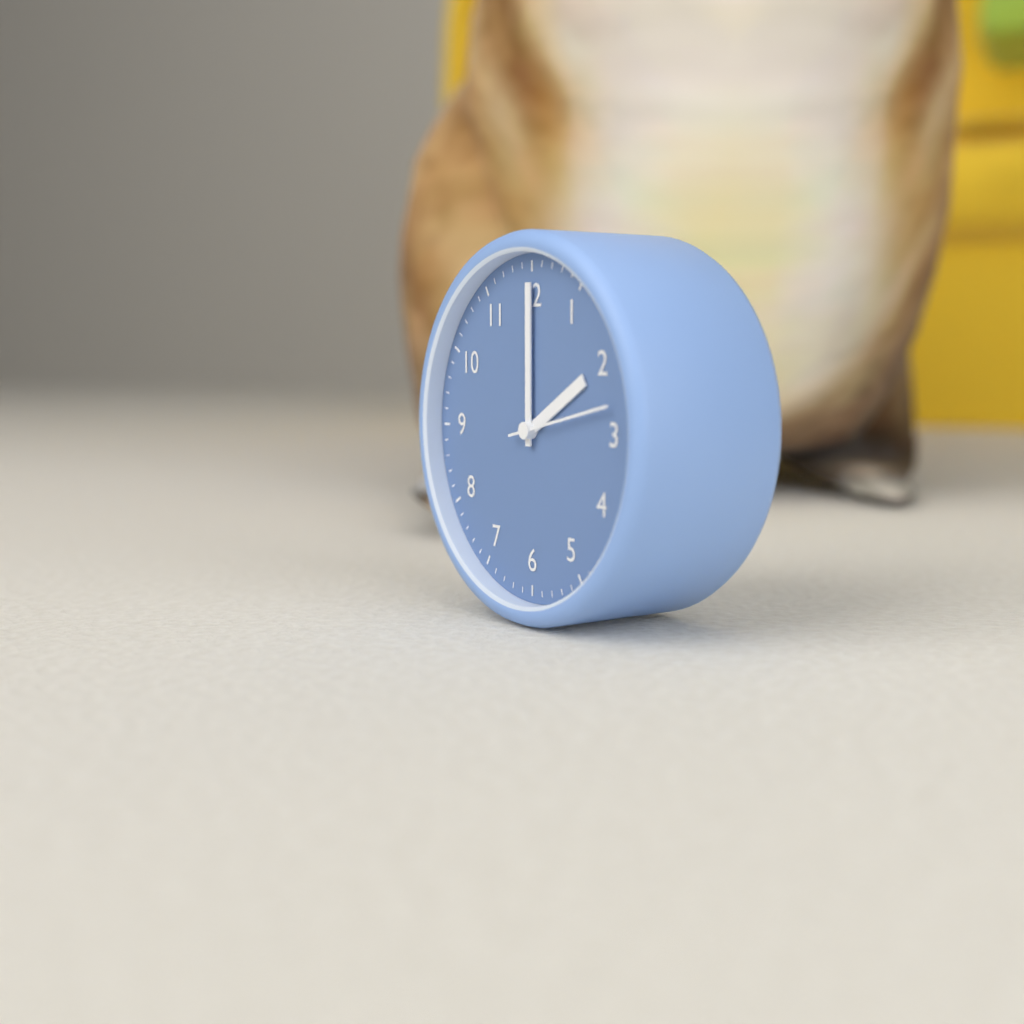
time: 2:00
